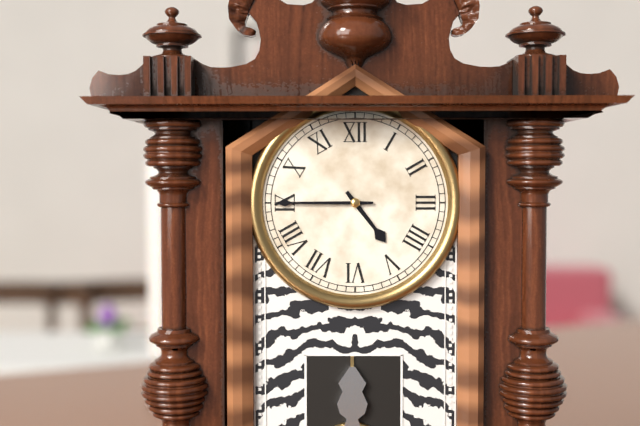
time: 4:45
